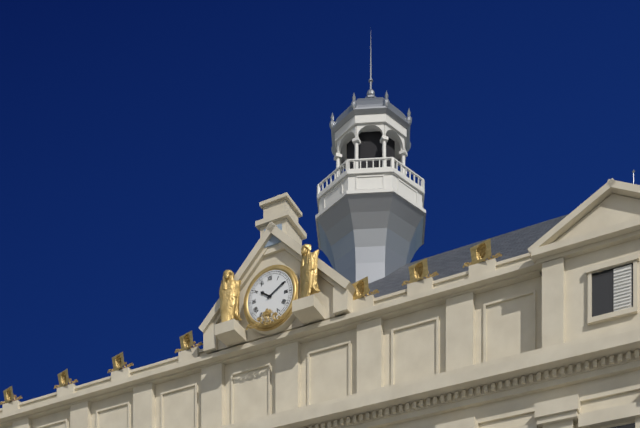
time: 10:10
